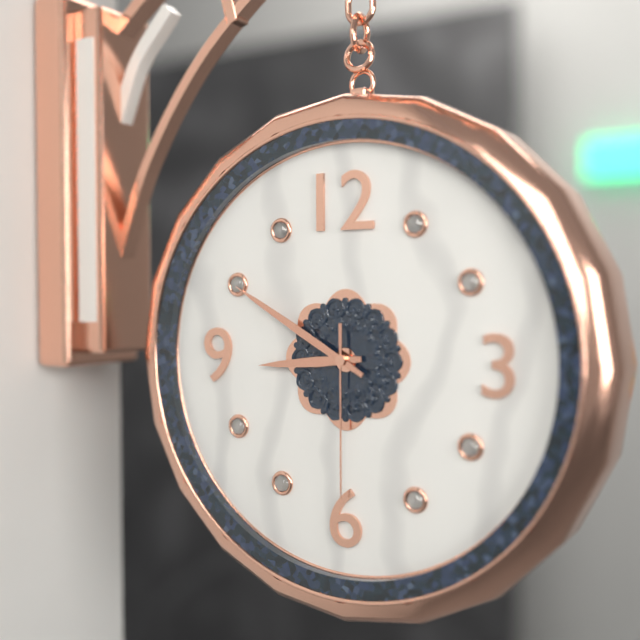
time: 8:50:30
